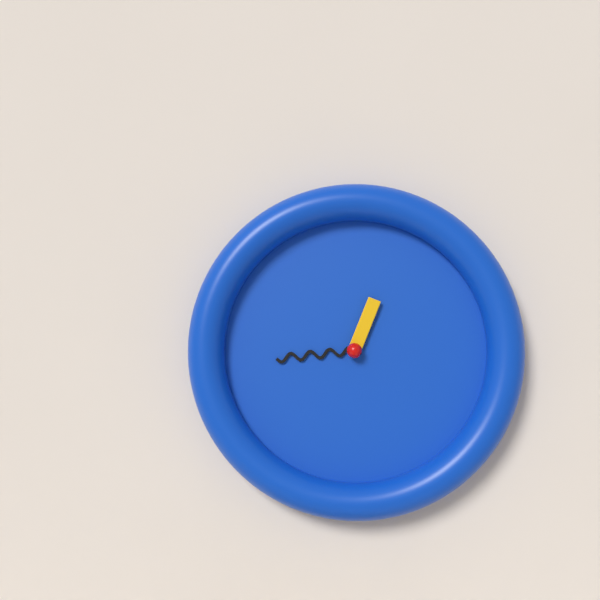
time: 12:44
